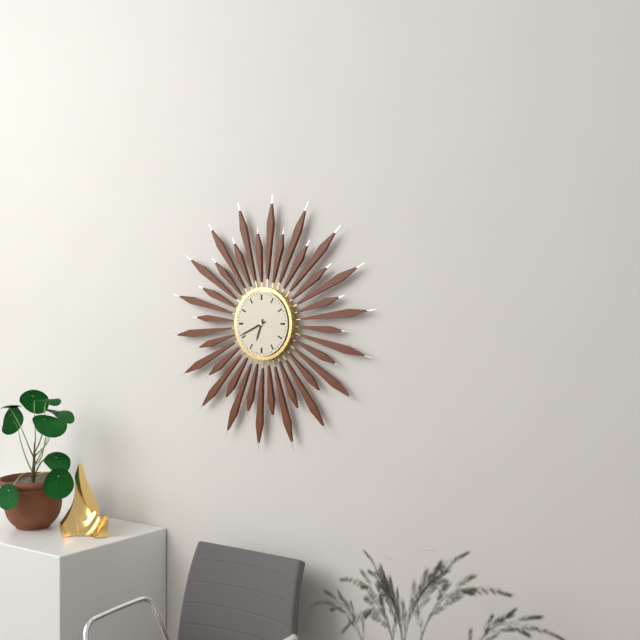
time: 6:41
